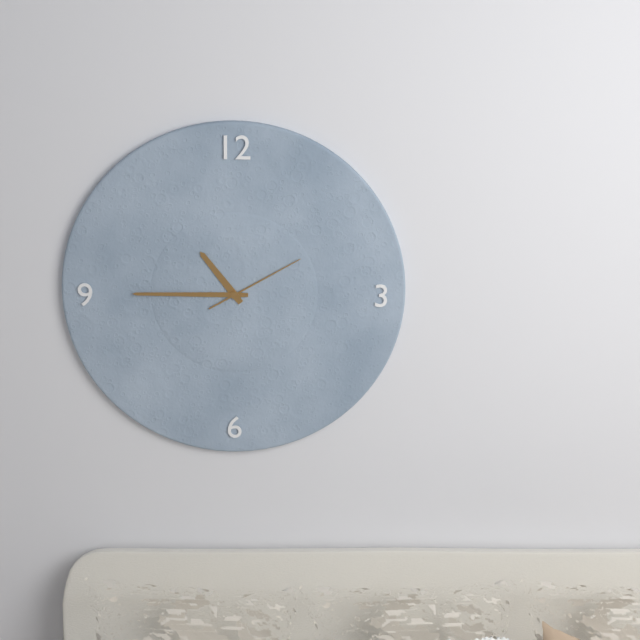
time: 10:45:10
